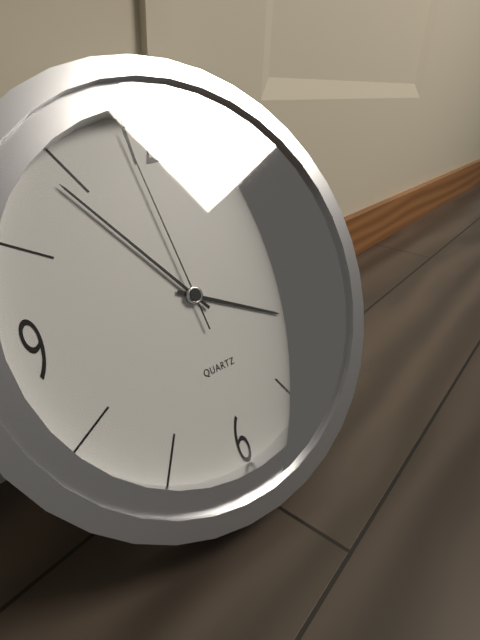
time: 3:54:59
